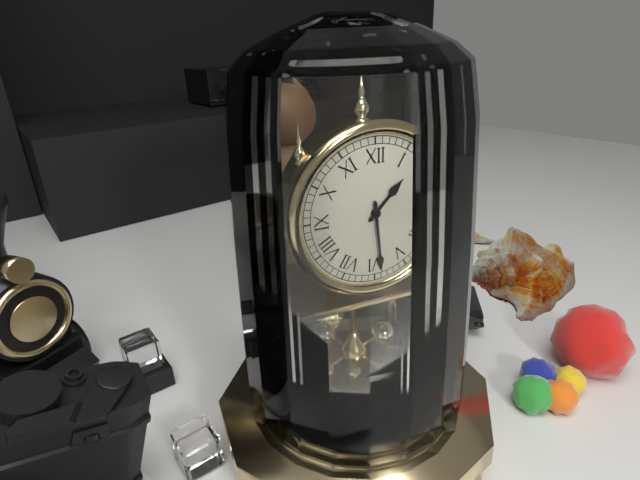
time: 1:29
